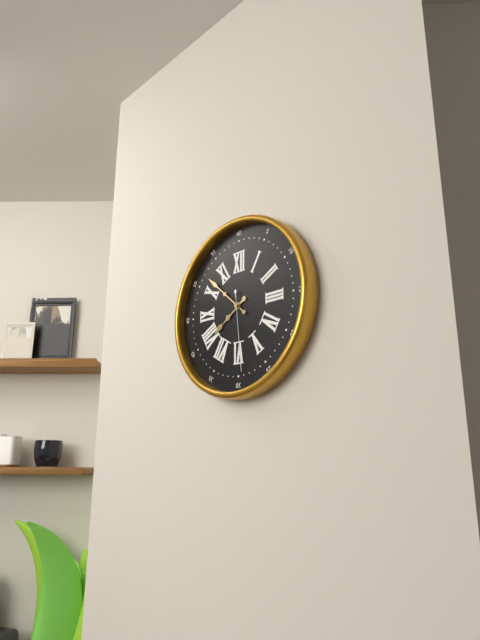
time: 7:52:29
